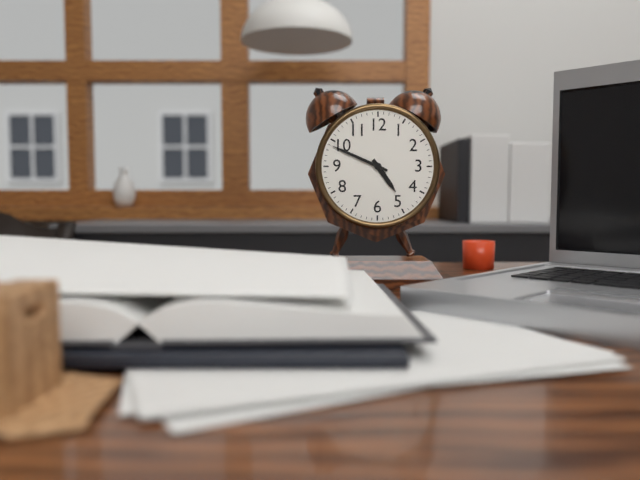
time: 4:49
